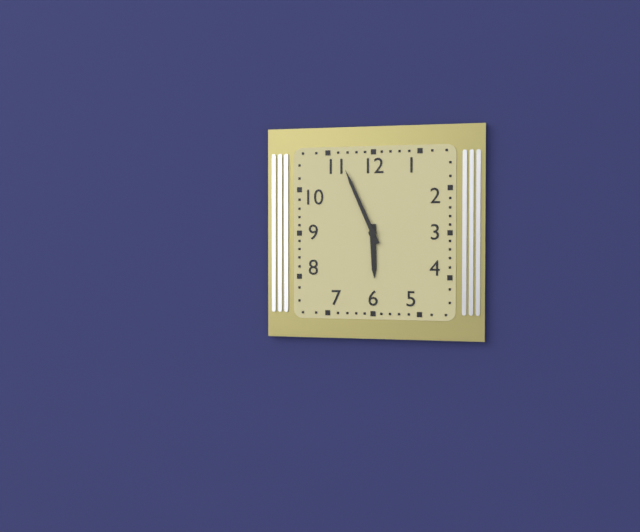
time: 5:56
